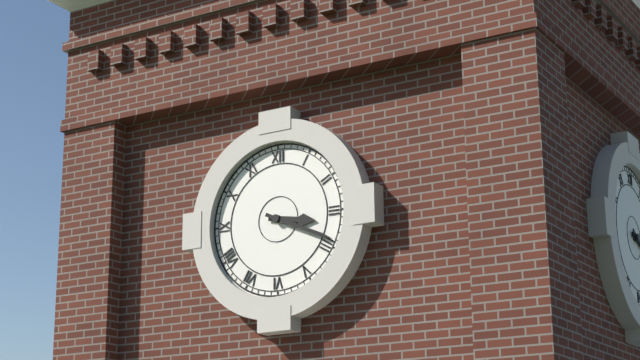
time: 3:19
